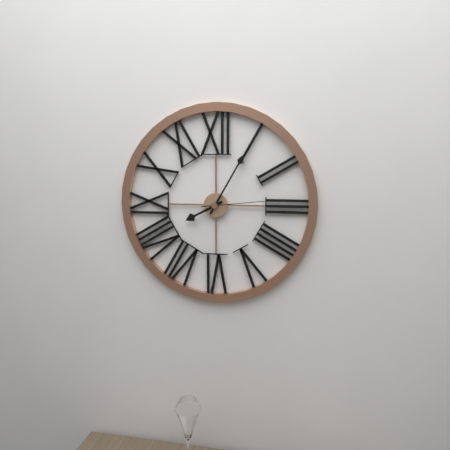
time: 8:05:14
